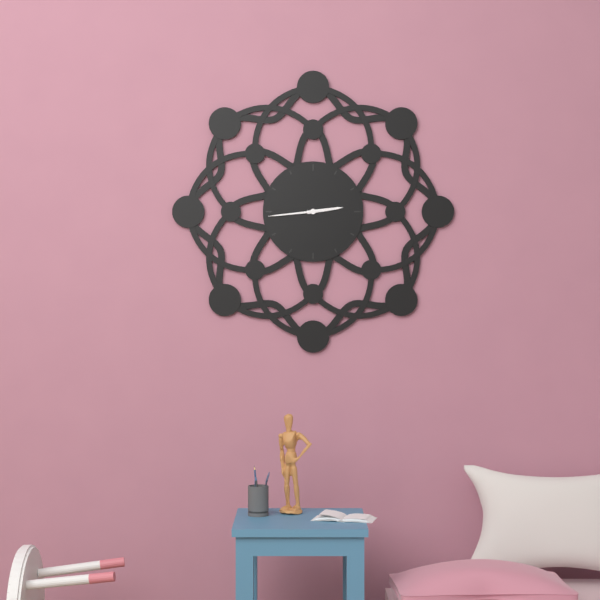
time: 2:44
